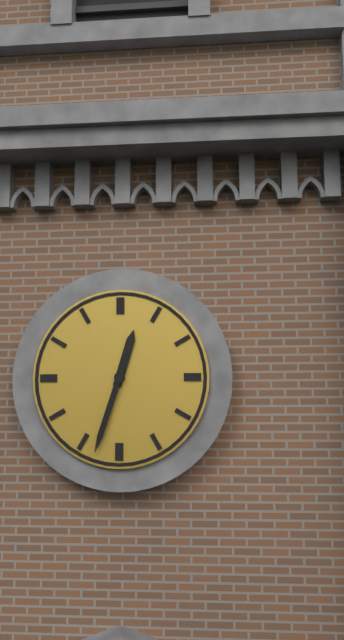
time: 12:33
